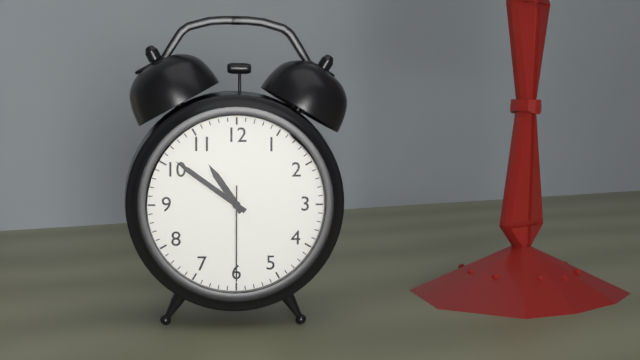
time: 10:51:30
